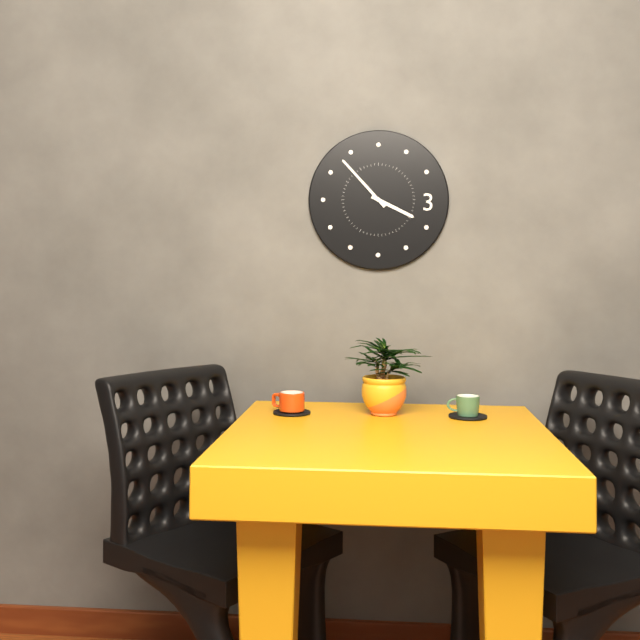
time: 3:53
